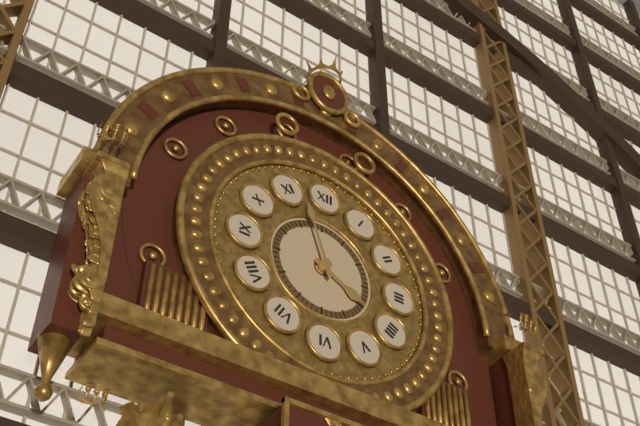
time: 3:57
